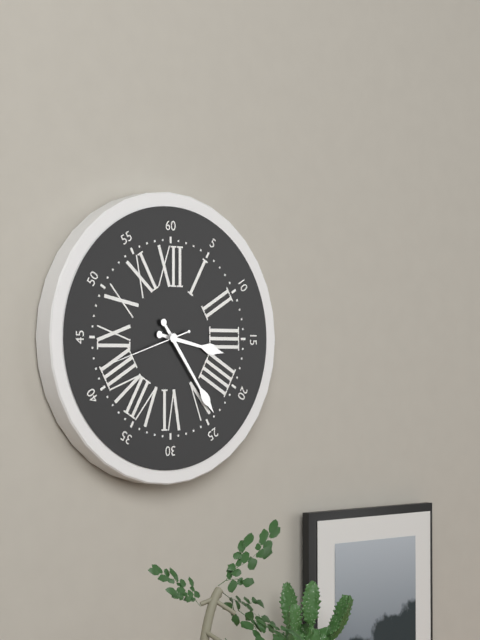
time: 3:24:42
